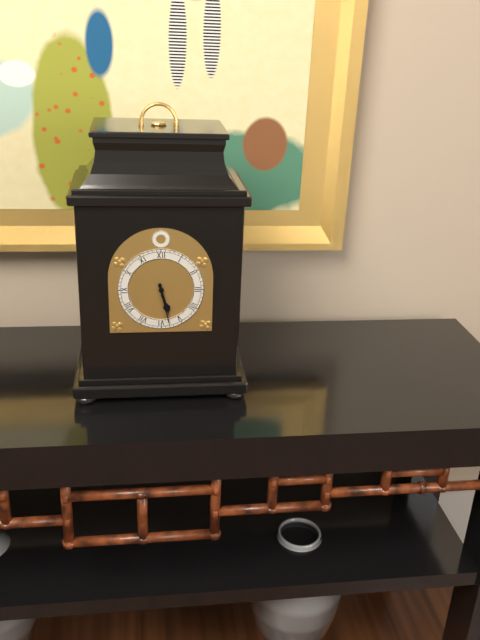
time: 5:28
